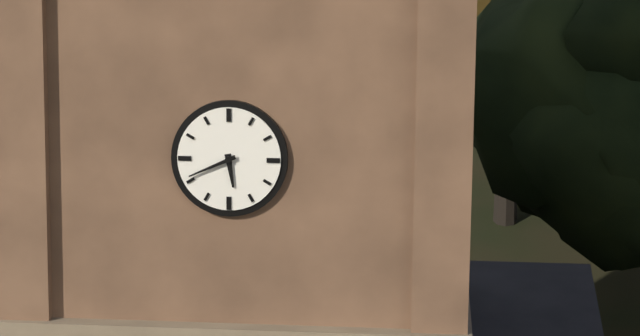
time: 5:41
